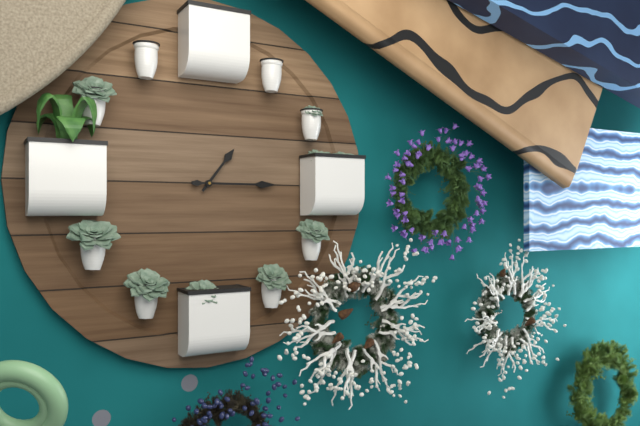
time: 1:15
